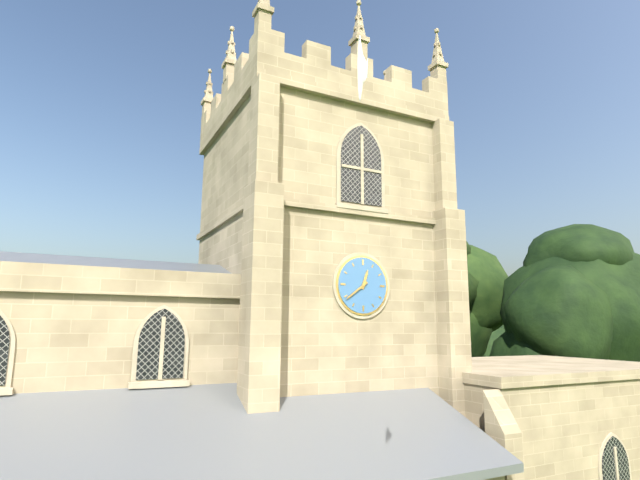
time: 12:39
